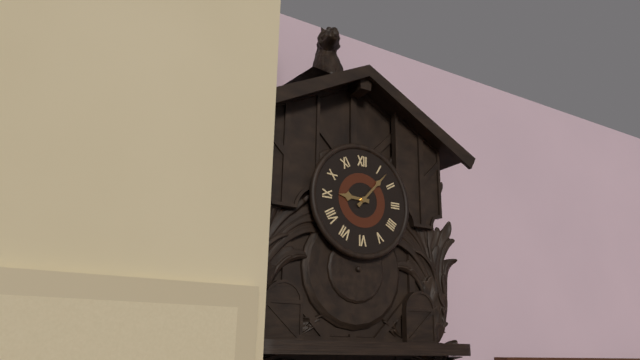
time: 9:07
